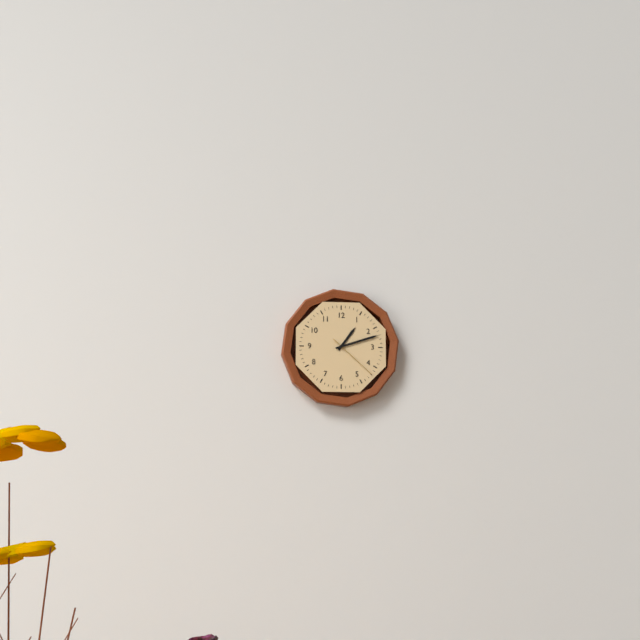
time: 1:12:22
